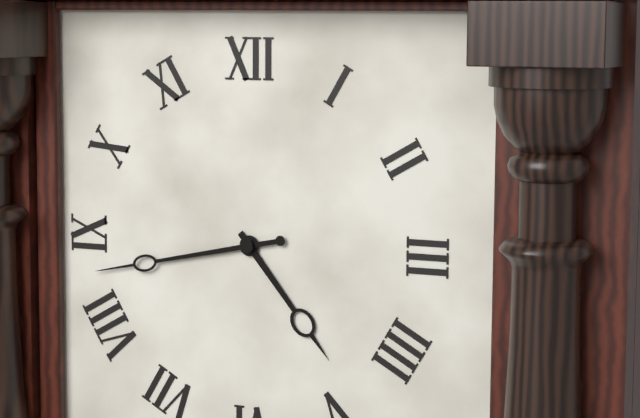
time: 4:43
